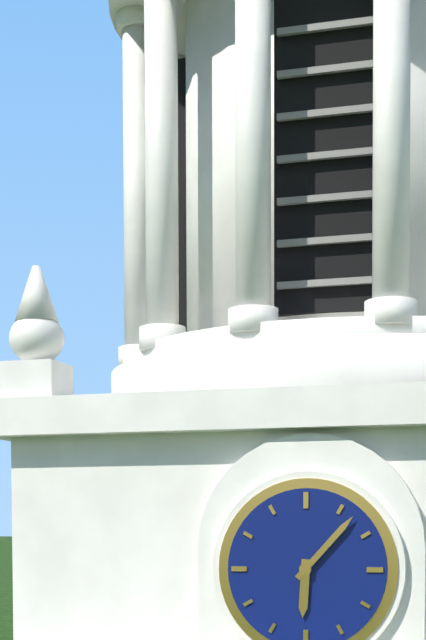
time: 6:07
